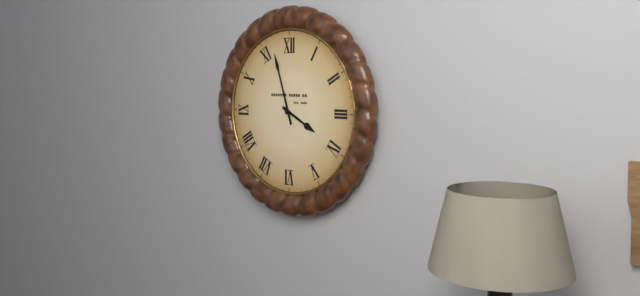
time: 3:57
